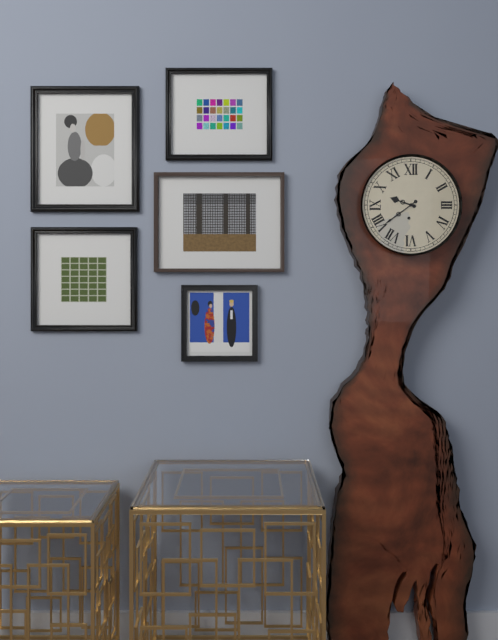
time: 9:39
